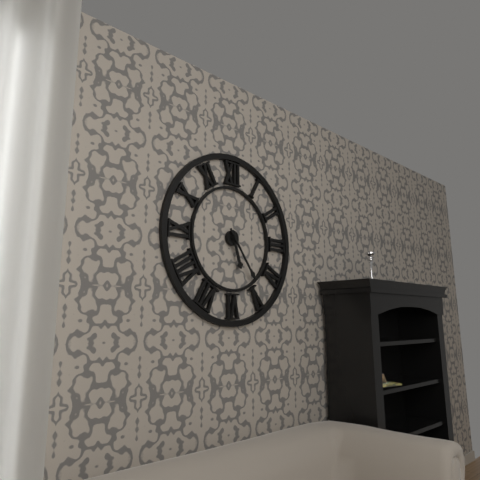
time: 5:24
